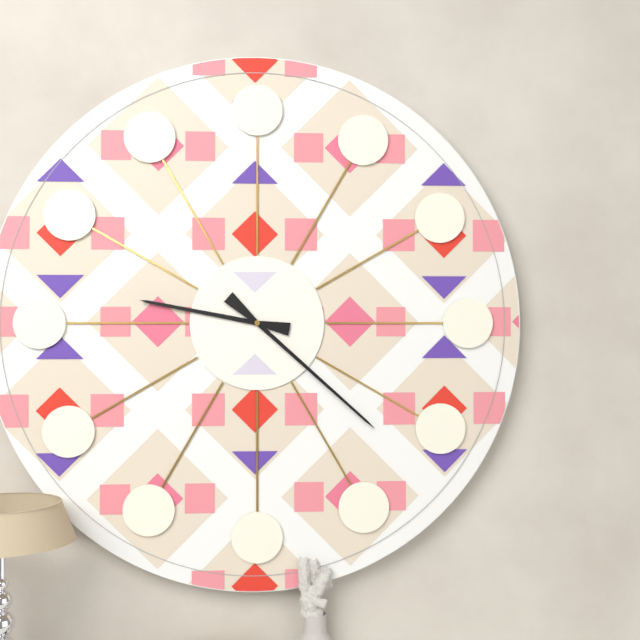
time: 9:22
